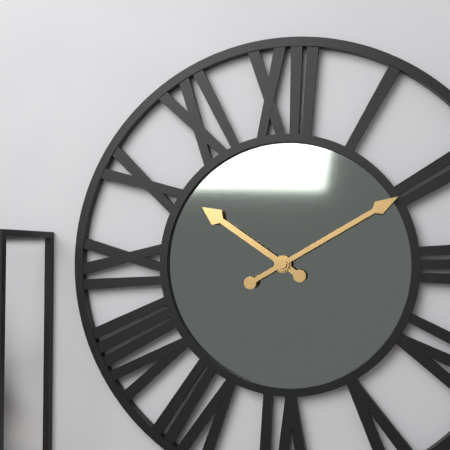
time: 10:10
